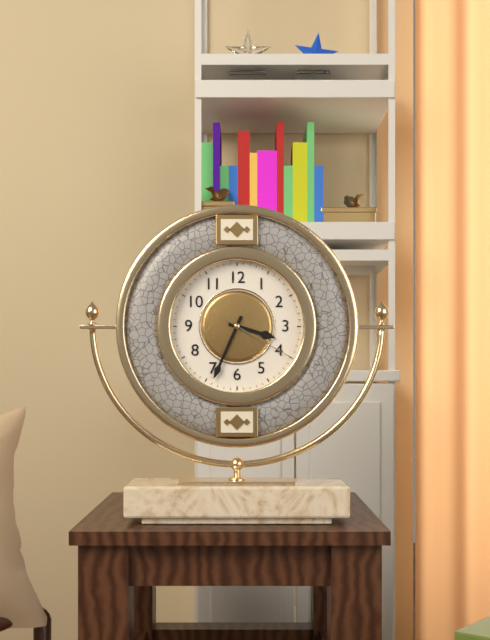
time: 3:34:20
